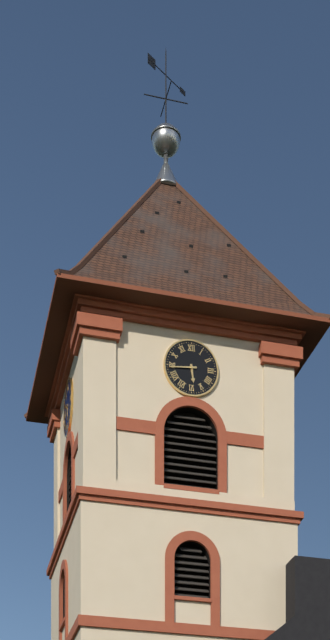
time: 5:44
